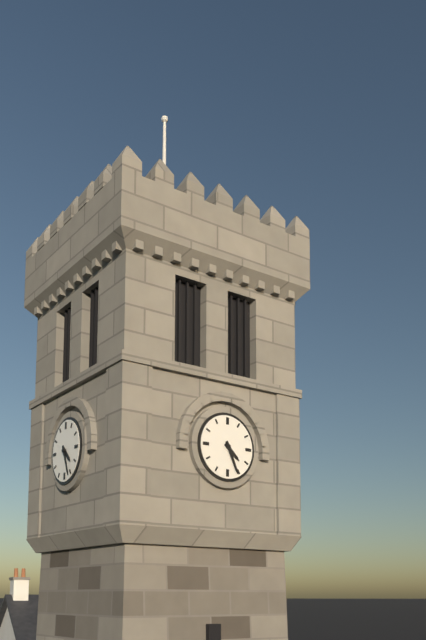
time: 4:26
